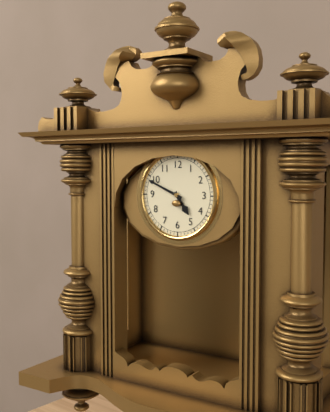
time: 4:49
